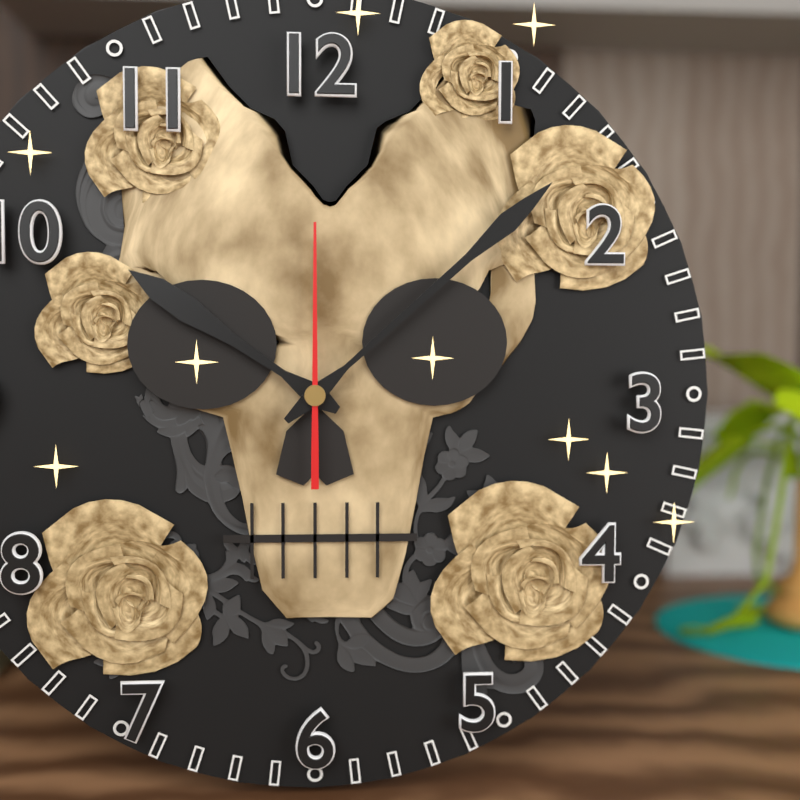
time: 10:08:00
